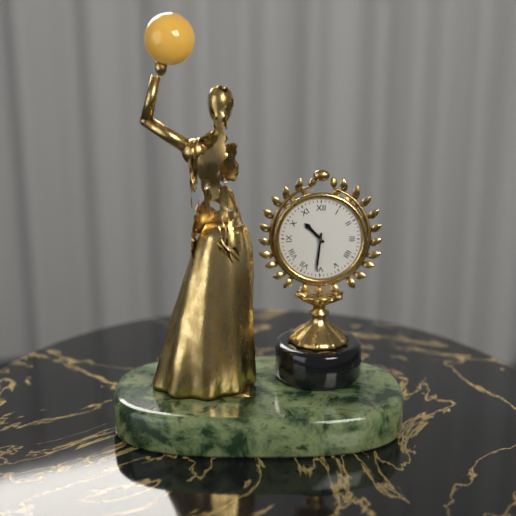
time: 10:31
